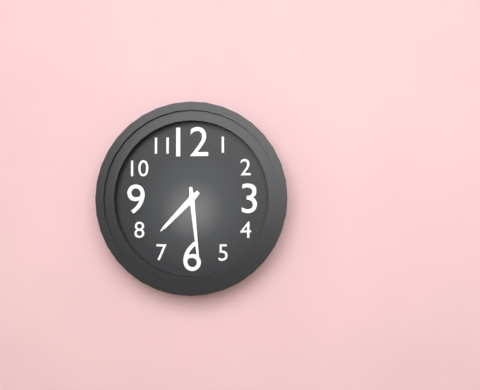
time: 7:29
